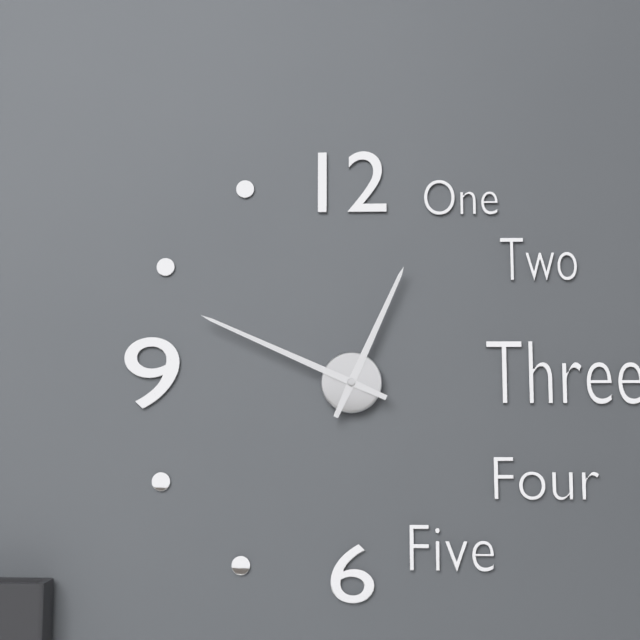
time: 12:49
